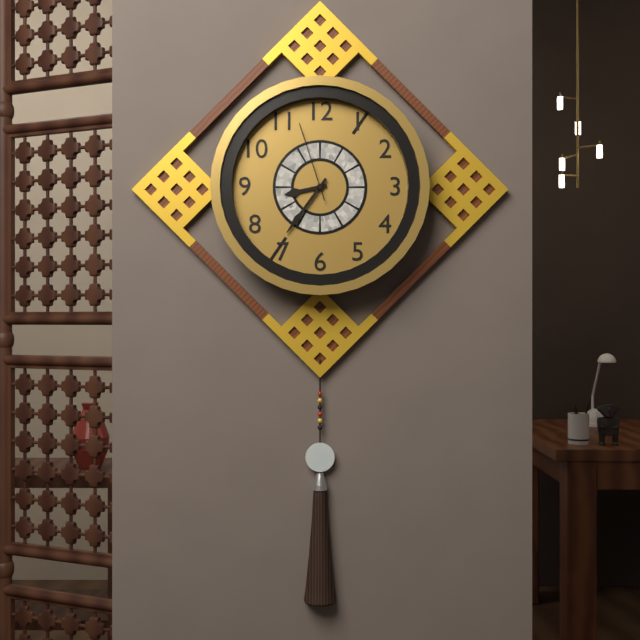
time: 8:36:57
